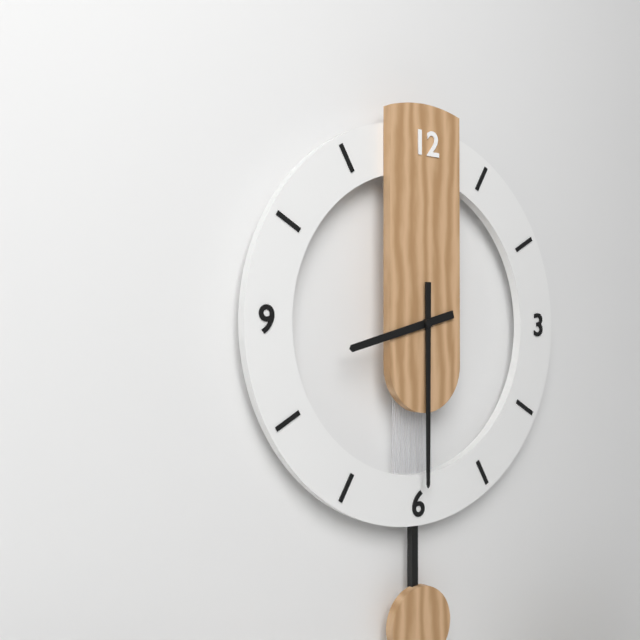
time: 8:30
